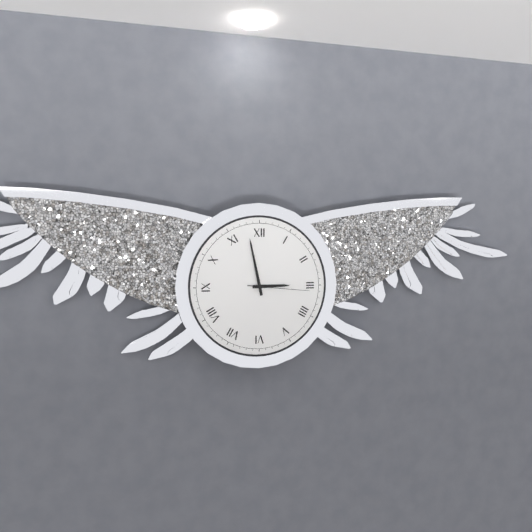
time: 2:58:16
